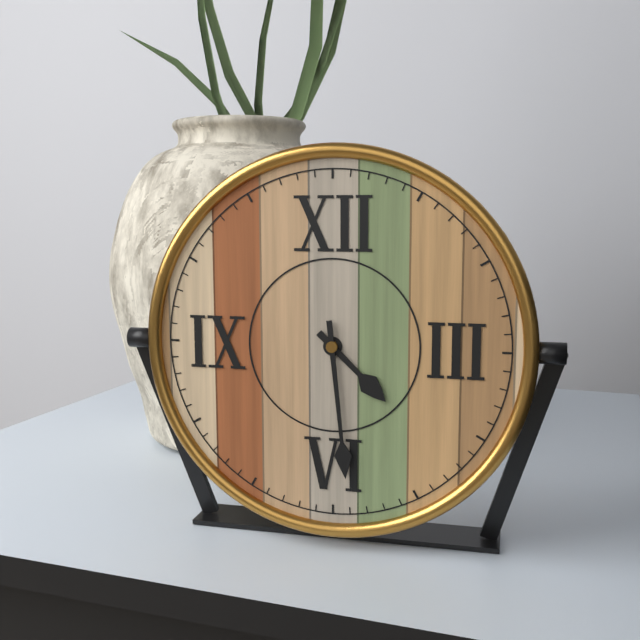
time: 4:29
